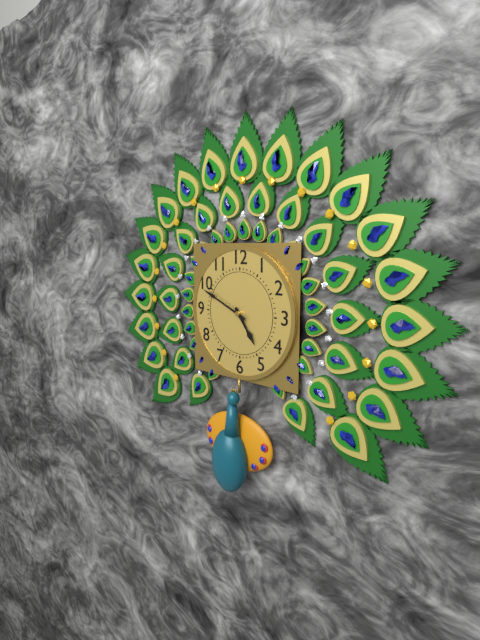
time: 4:49
